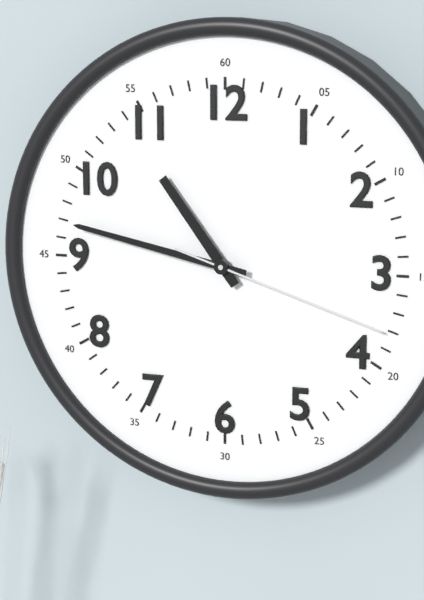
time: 10:47:18
